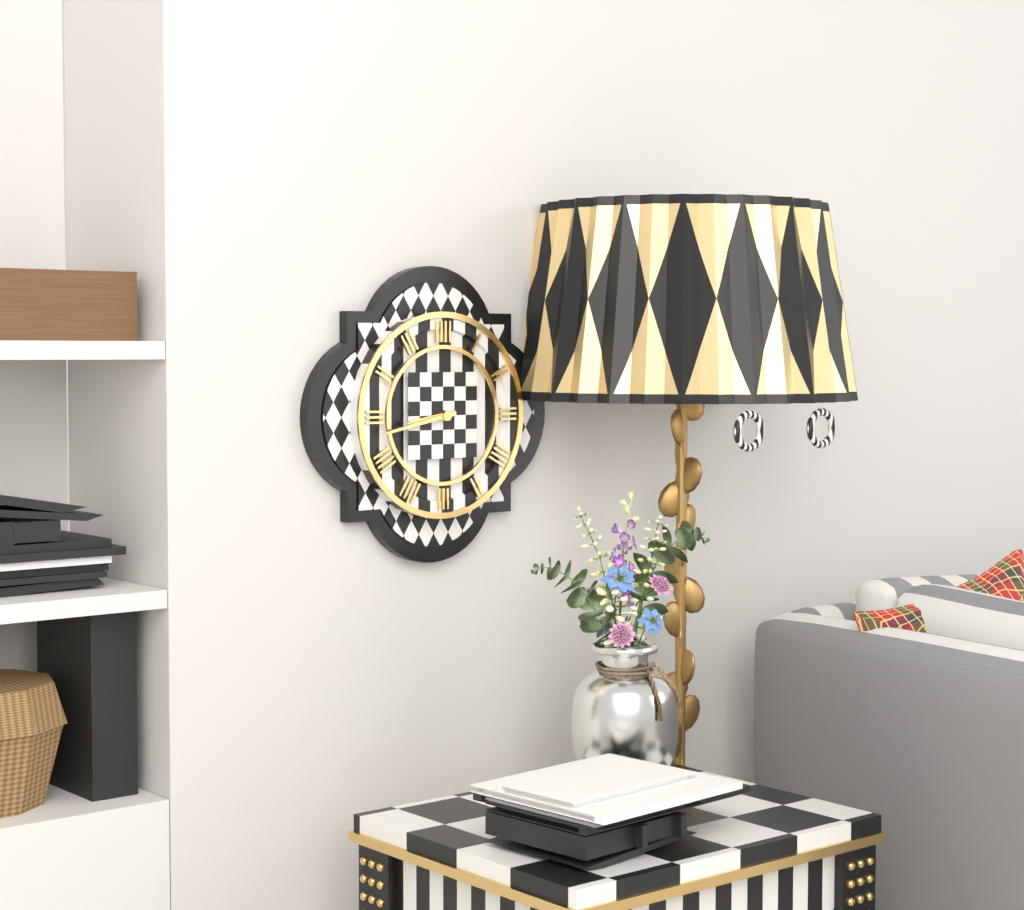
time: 8:43
